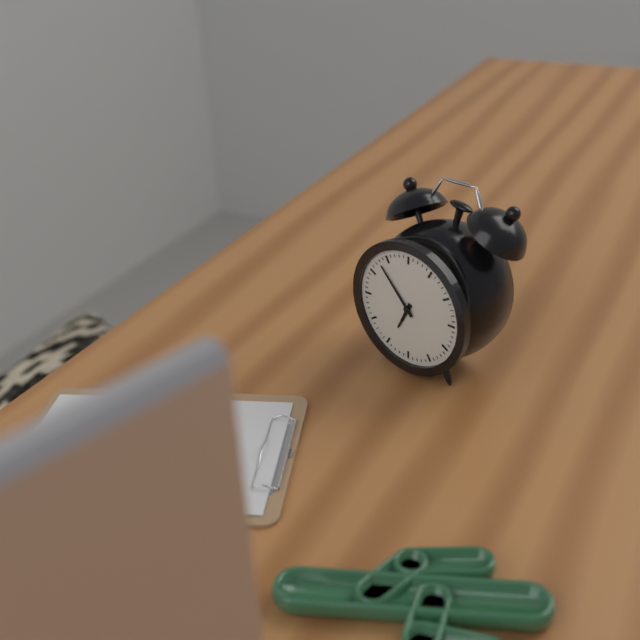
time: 6:53
